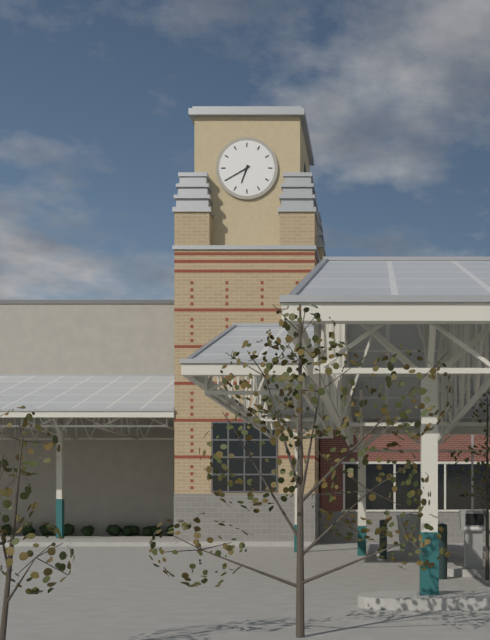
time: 6:40
